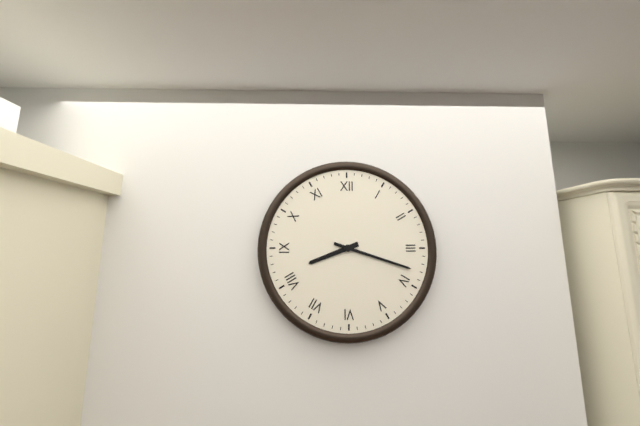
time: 8:18
